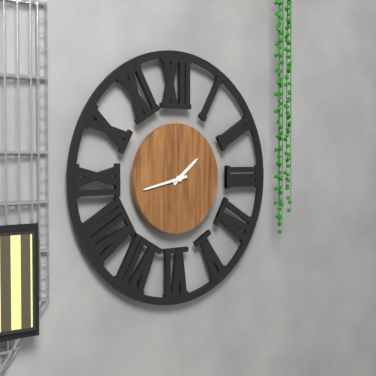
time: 1:43
